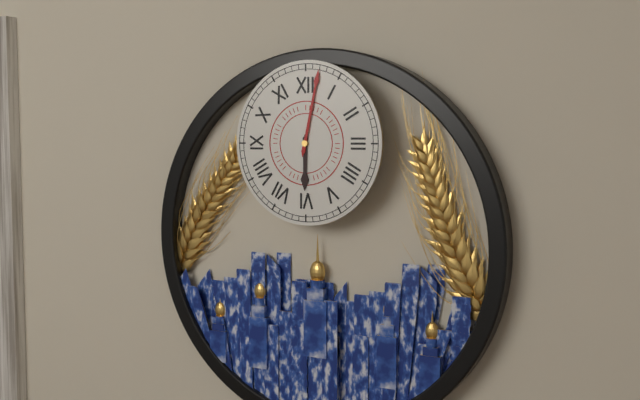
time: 6:02
